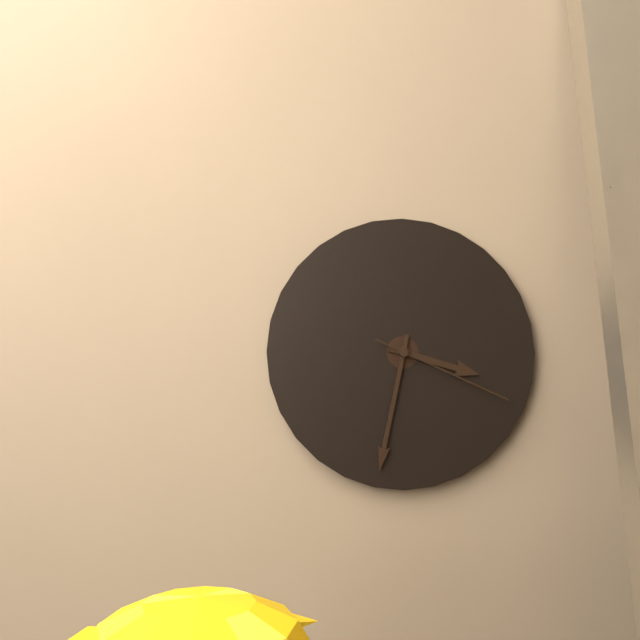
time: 3:32:19
